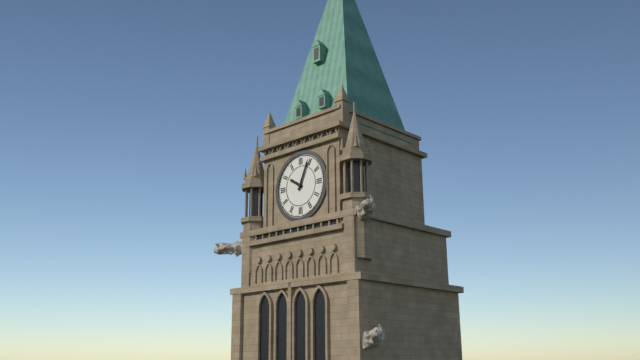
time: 10:04
